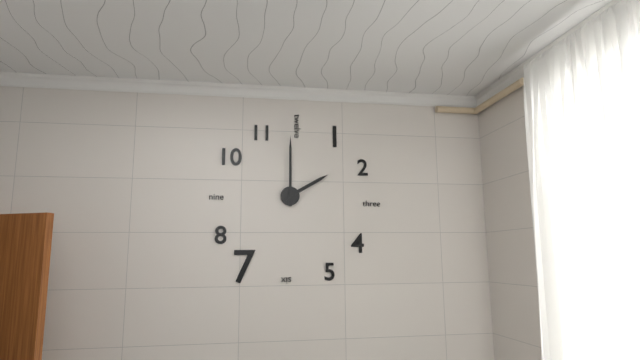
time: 2:00
